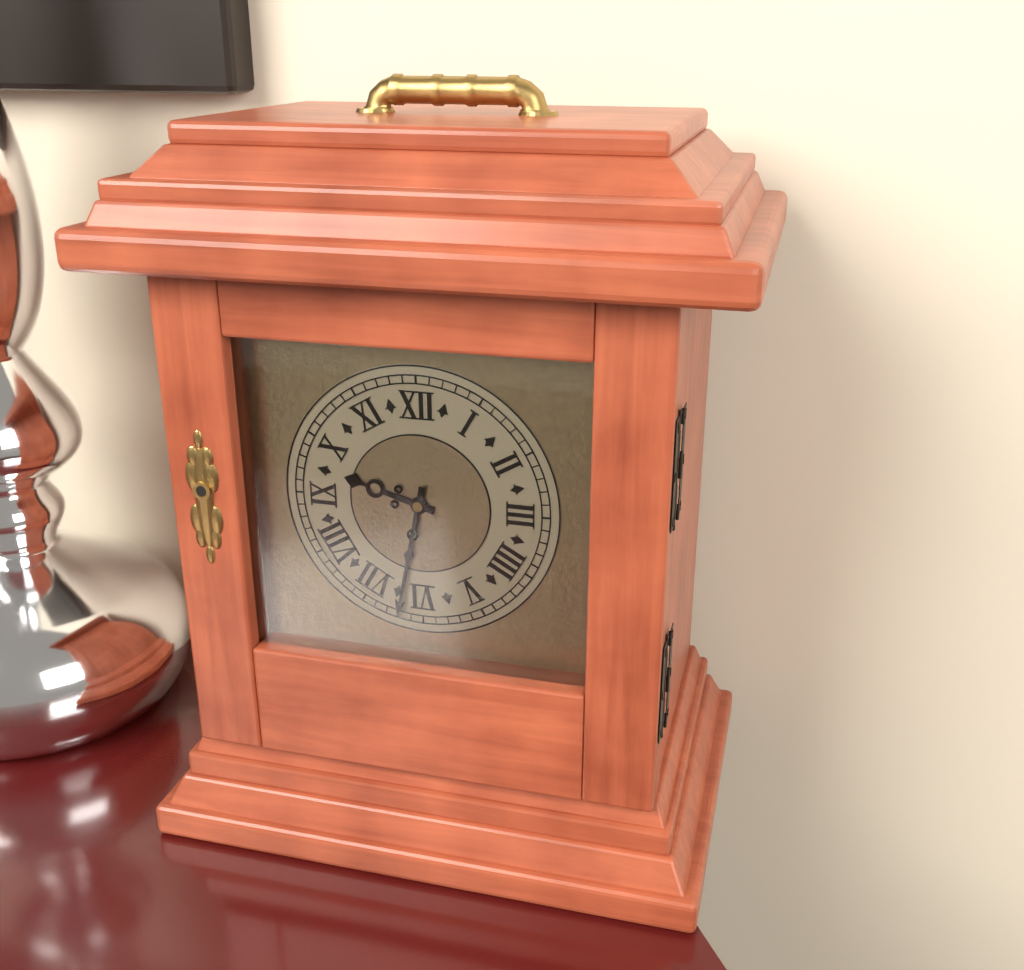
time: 9:32
